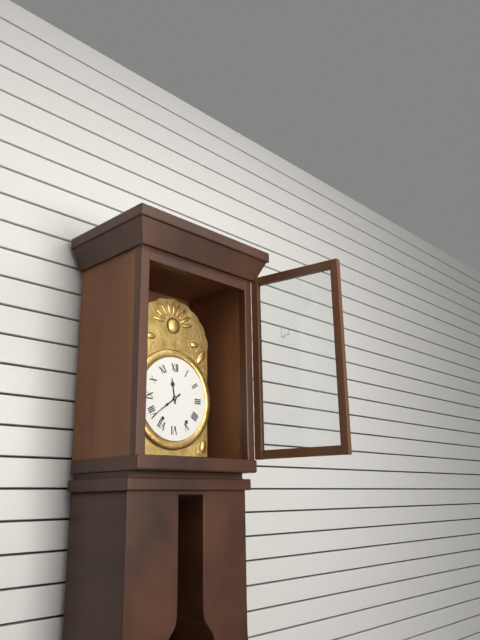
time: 11:39
